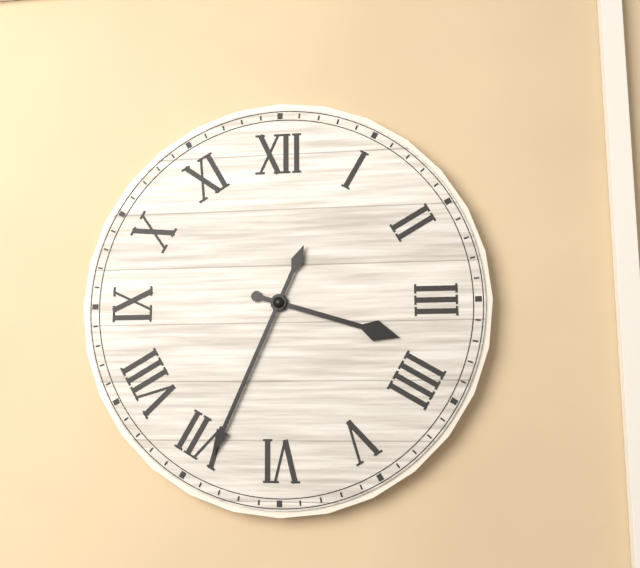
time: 3:34
